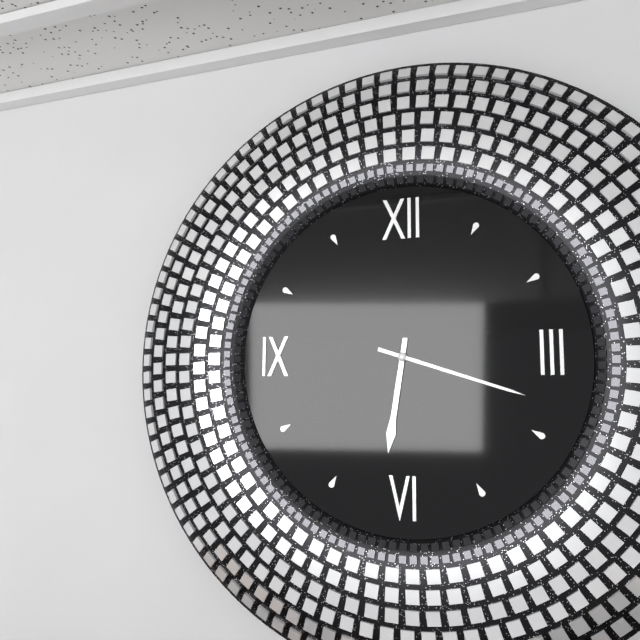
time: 6:18
